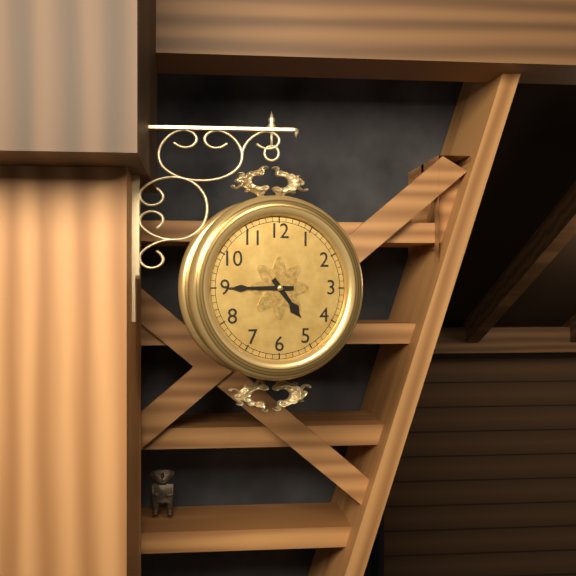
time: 4:45
